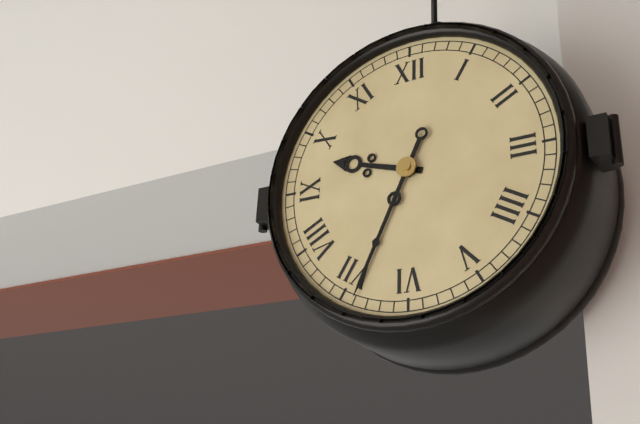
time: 9:34
